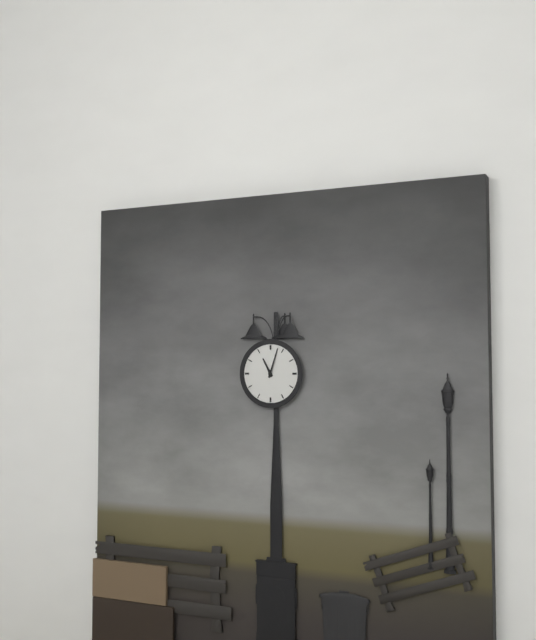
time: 11:03
